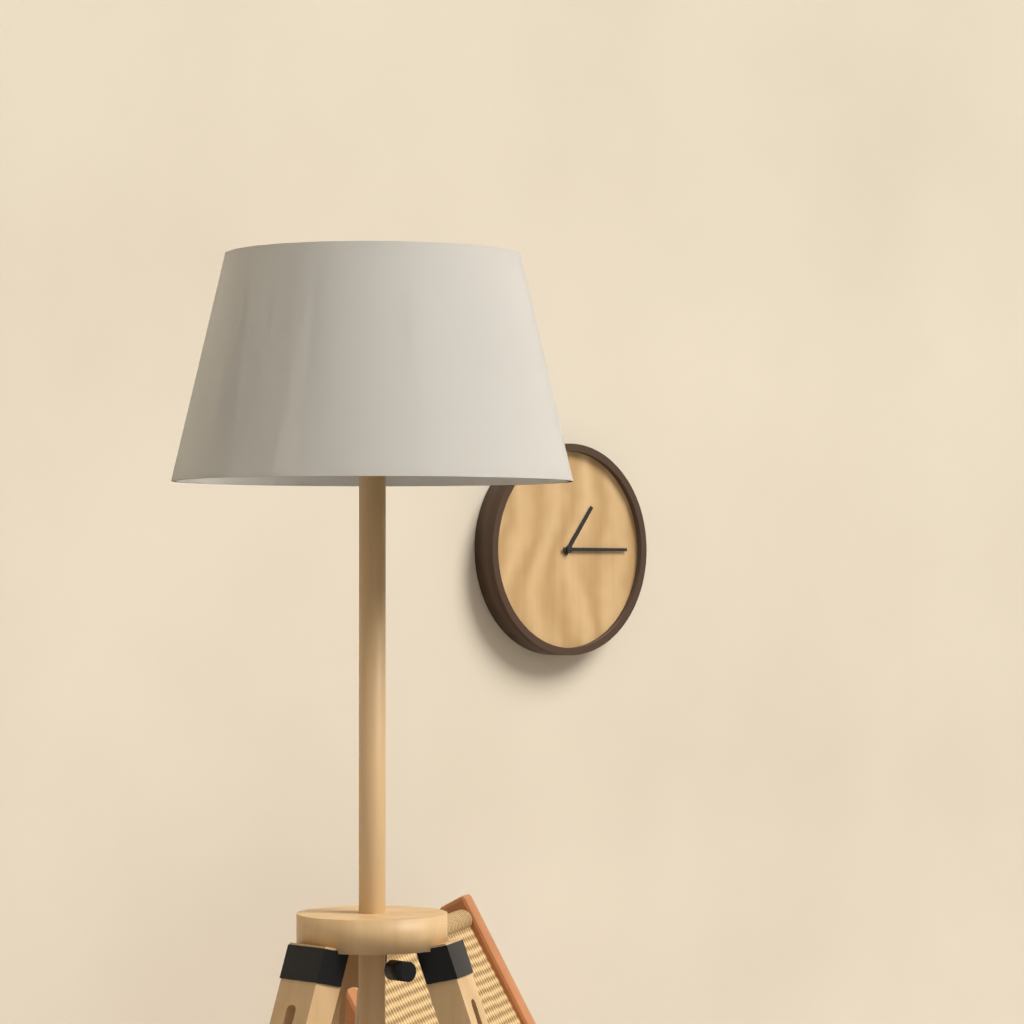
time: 1:15
